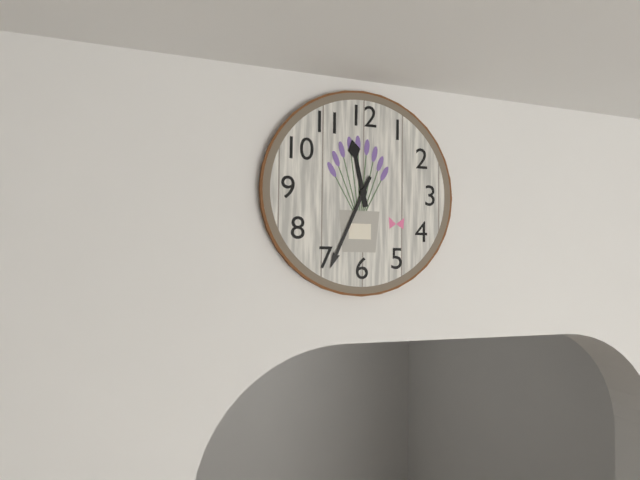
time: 11:34
